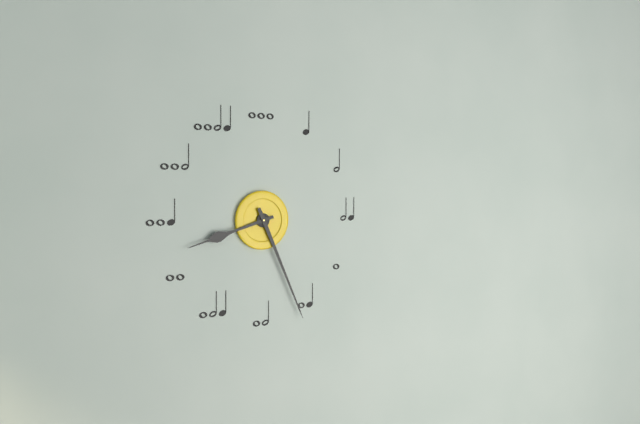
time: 8:26
